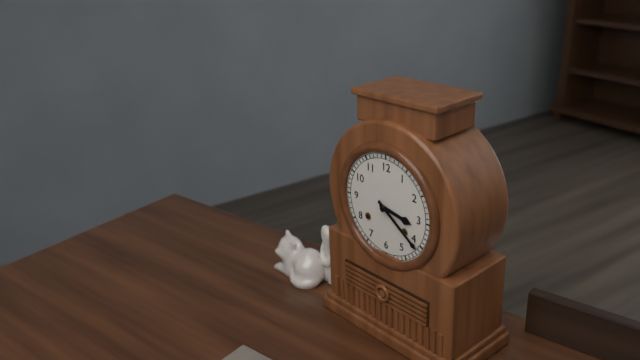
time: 3:21
